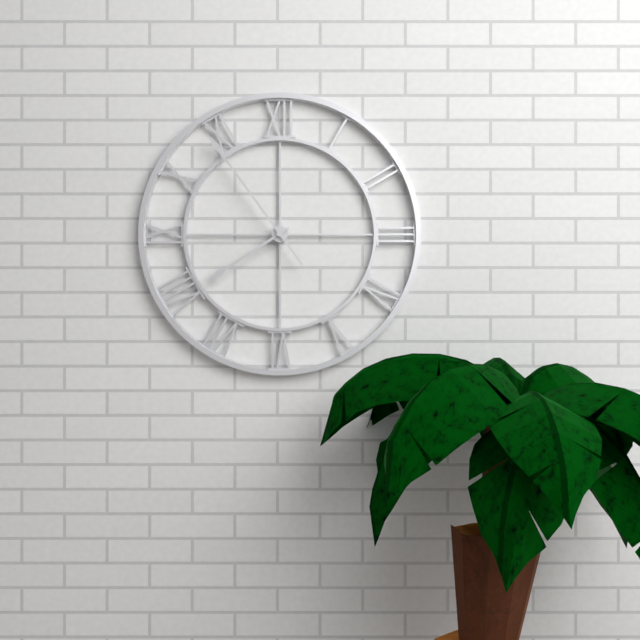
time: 7:54
